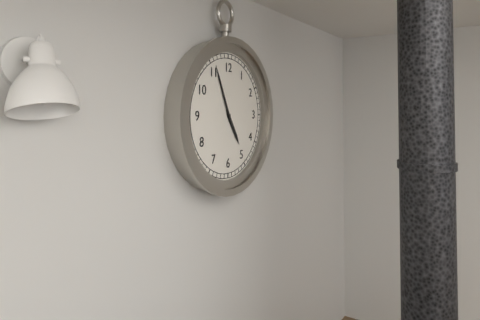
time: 4:56
